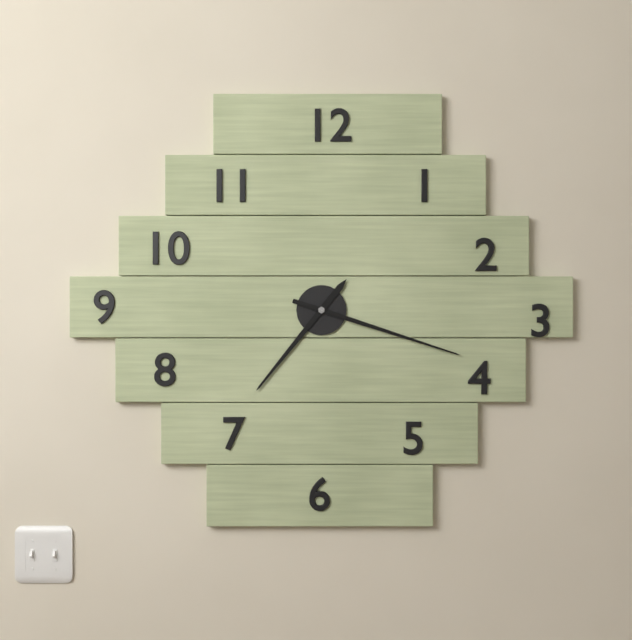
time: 7:18
